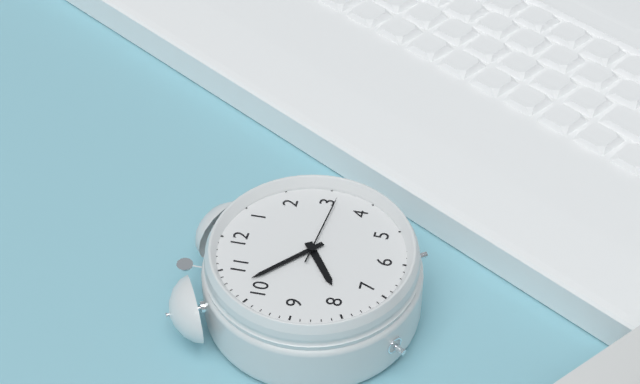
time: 7:52:16
